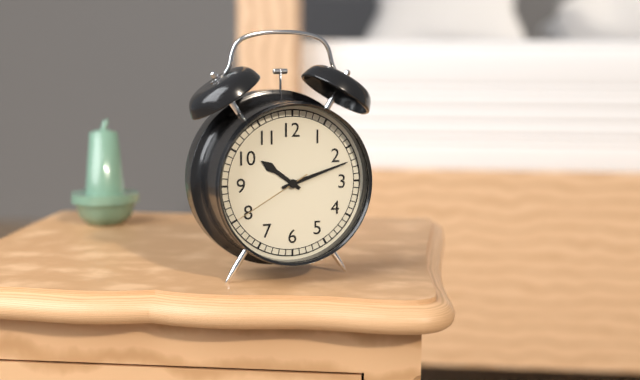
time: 10:12:40
